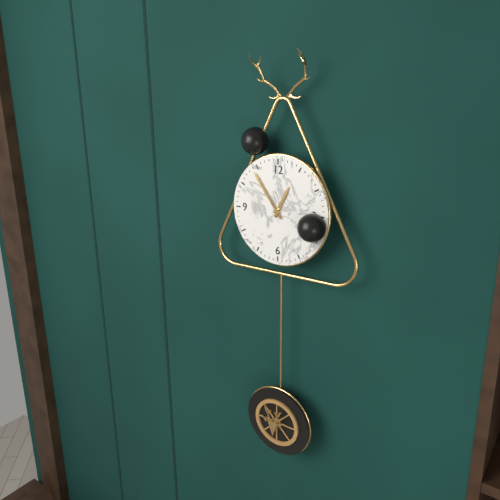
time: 12:54
